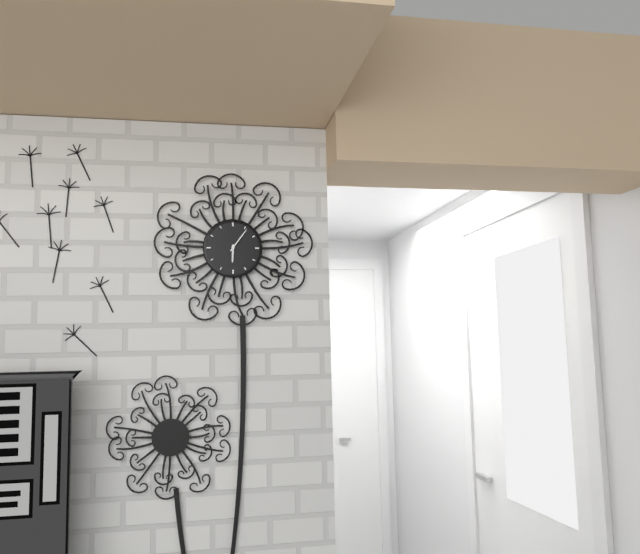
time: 6:06
